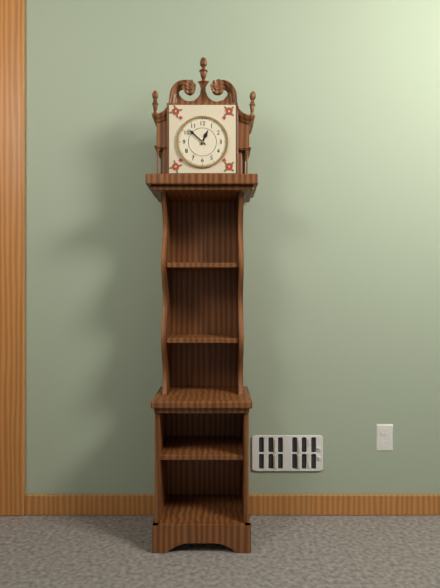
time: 12:52
